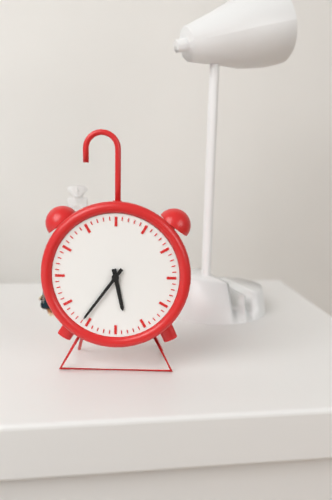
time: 5:36
